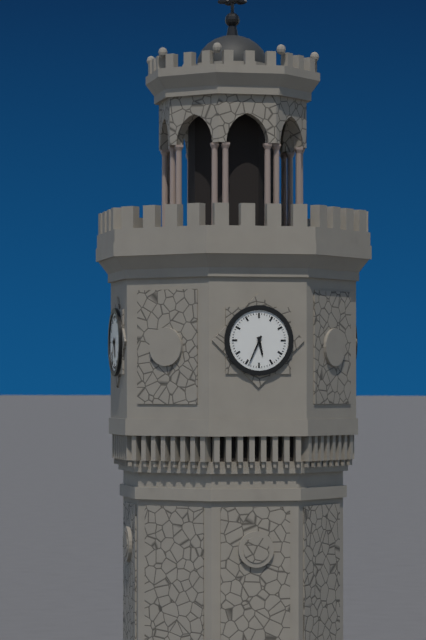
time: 5:34
